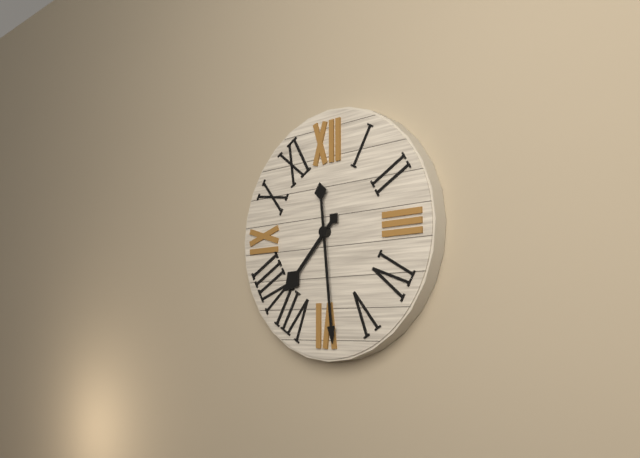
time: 7:29
